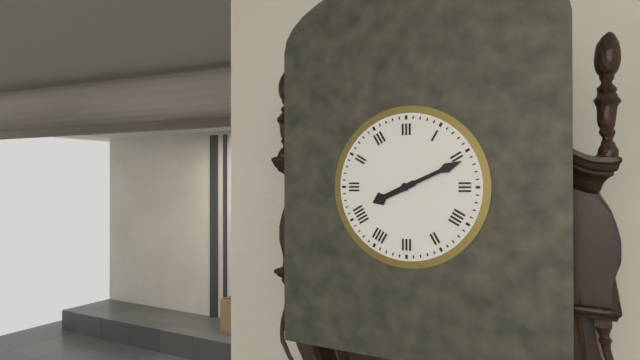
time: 8:11
